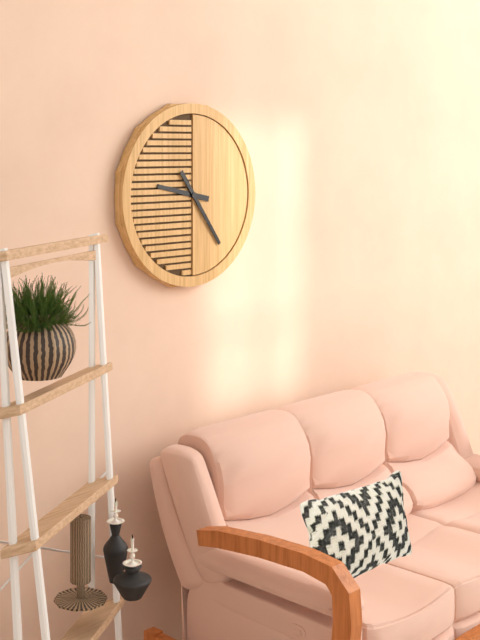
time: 9:24
